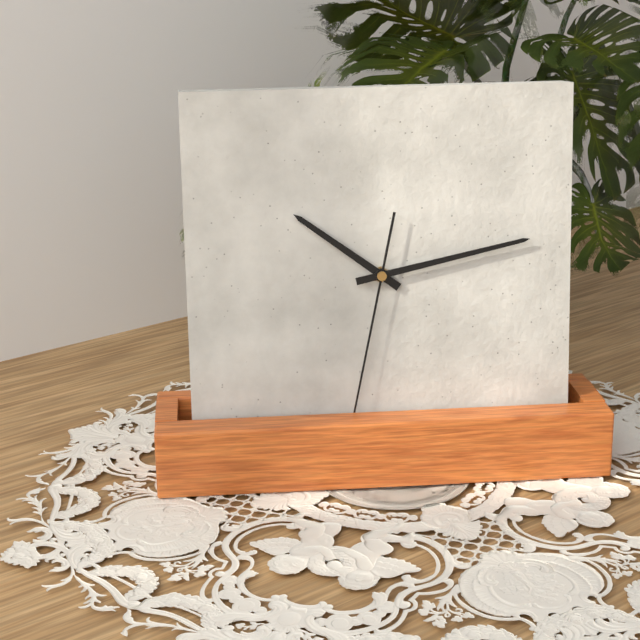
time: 10:13:32
